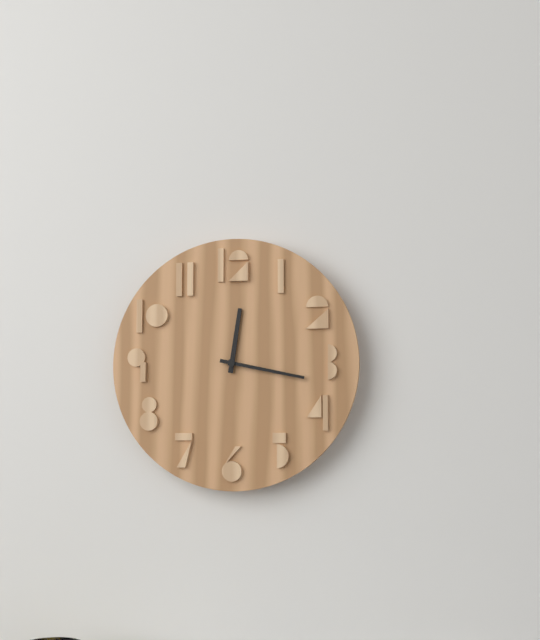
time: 12:17
